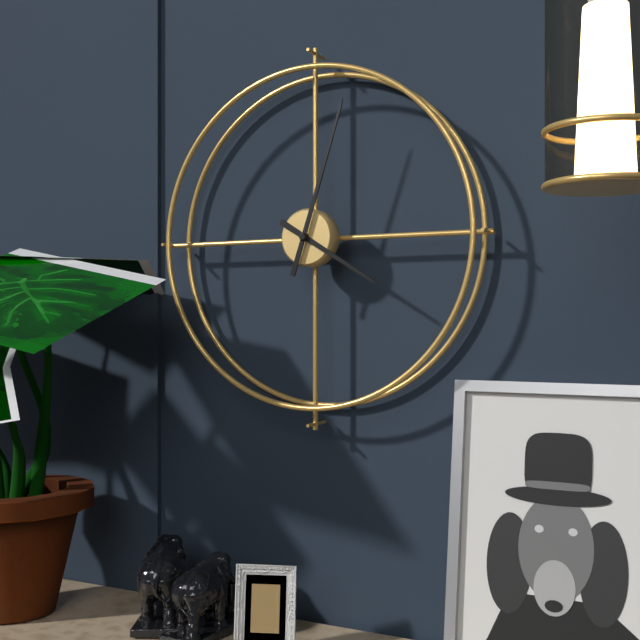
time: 4:03
